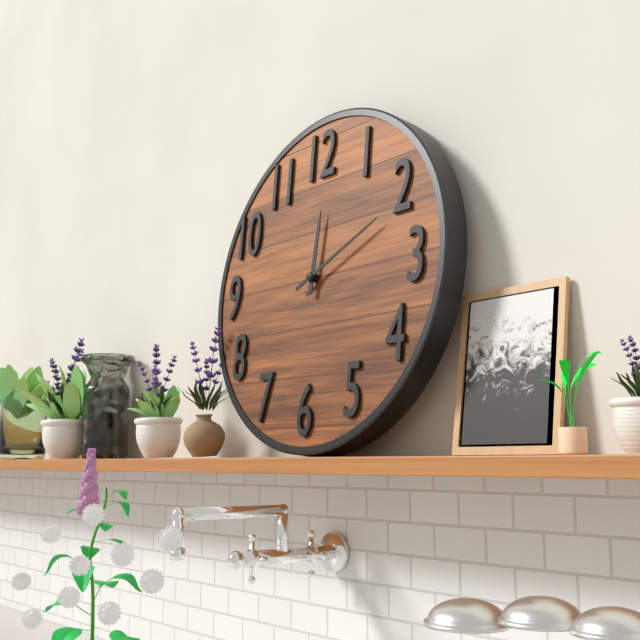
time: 12:11
